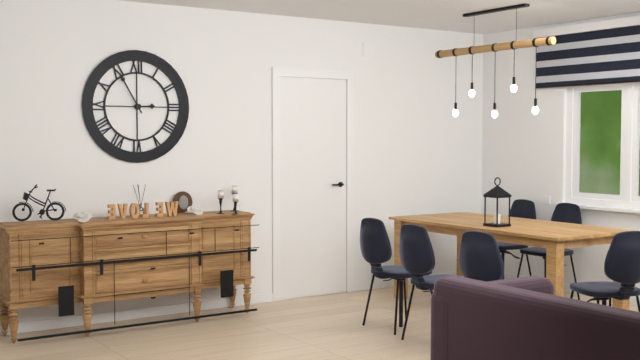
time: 2:55
